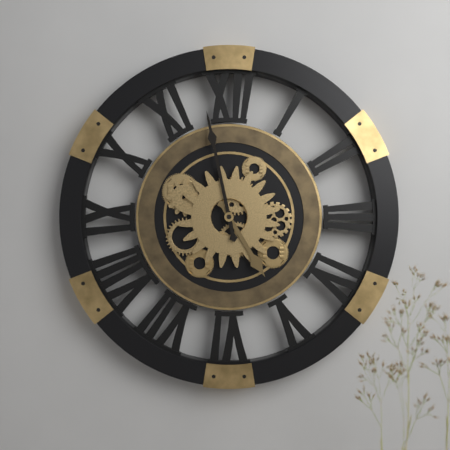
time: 4:58
